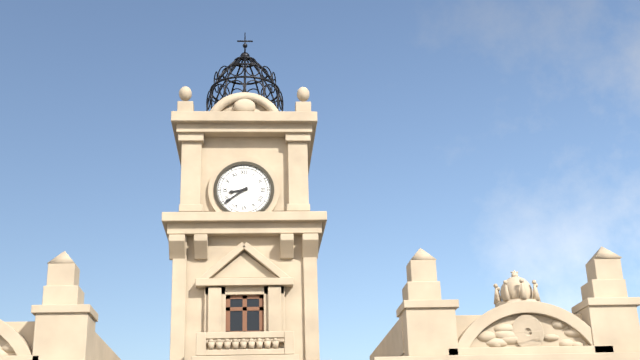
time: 8:39
